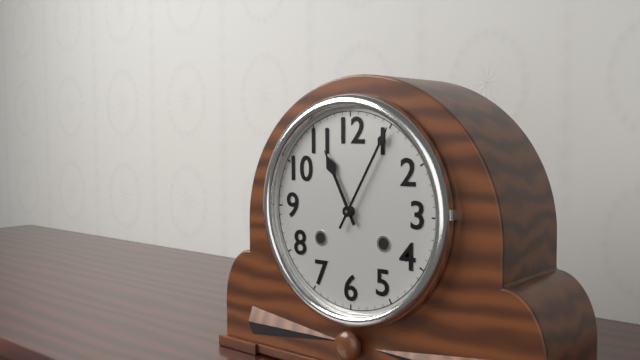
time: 11:05
